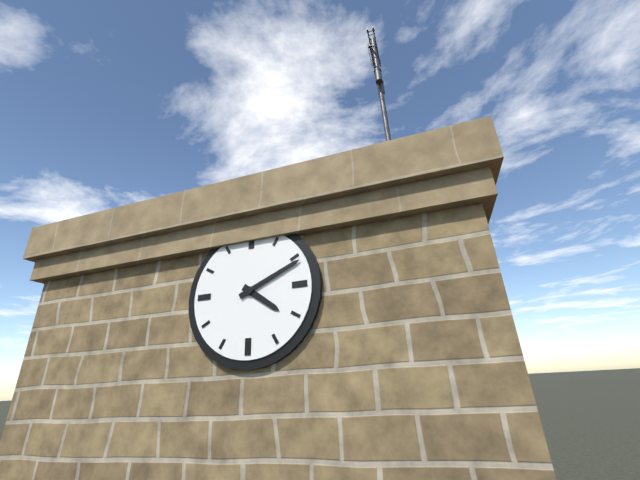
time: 4:11
